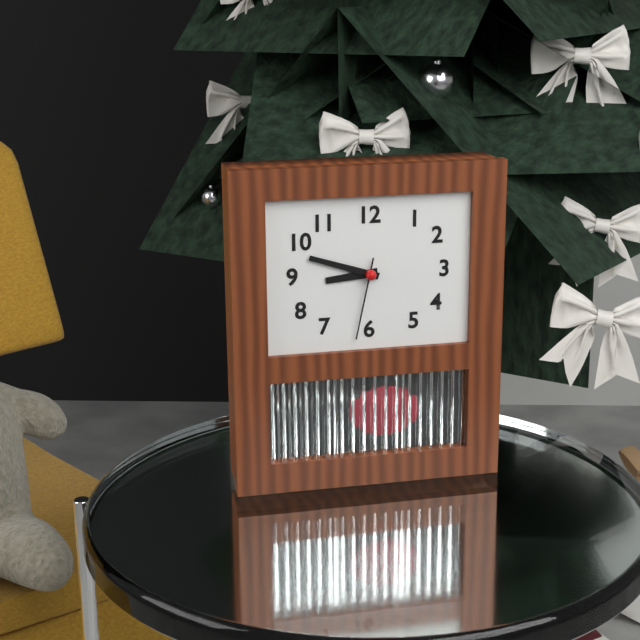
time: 8:48:32
